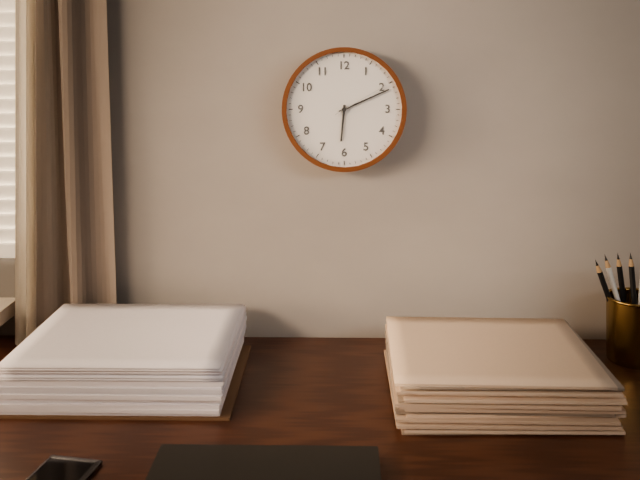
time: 6:11:10
